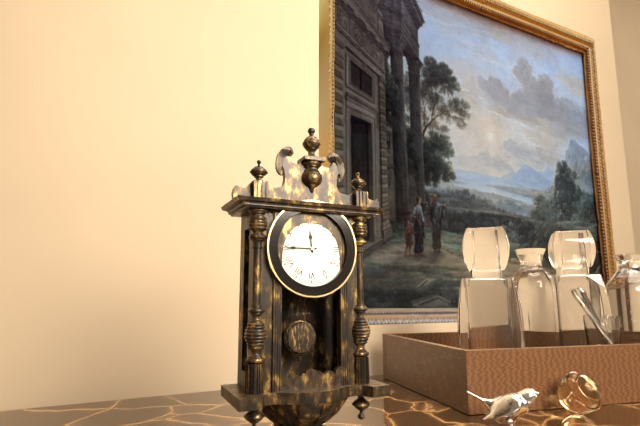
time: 11:45
